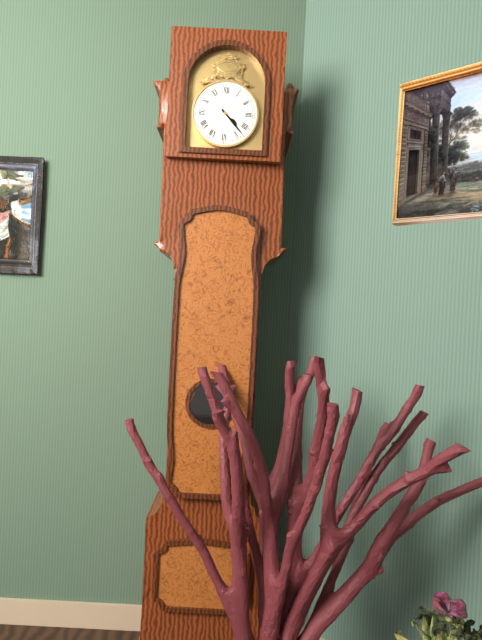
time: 4:23
